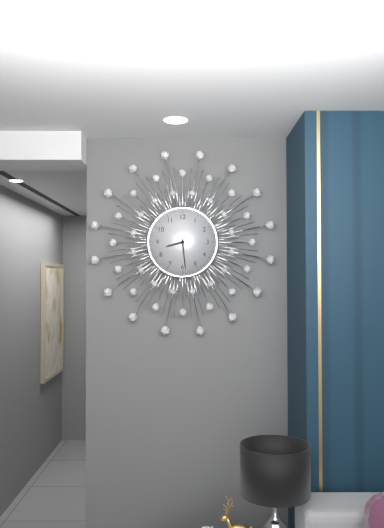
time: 8:29
